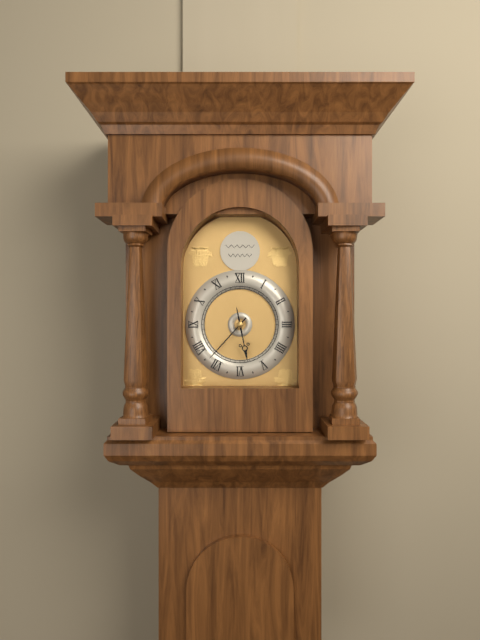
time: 5:37
